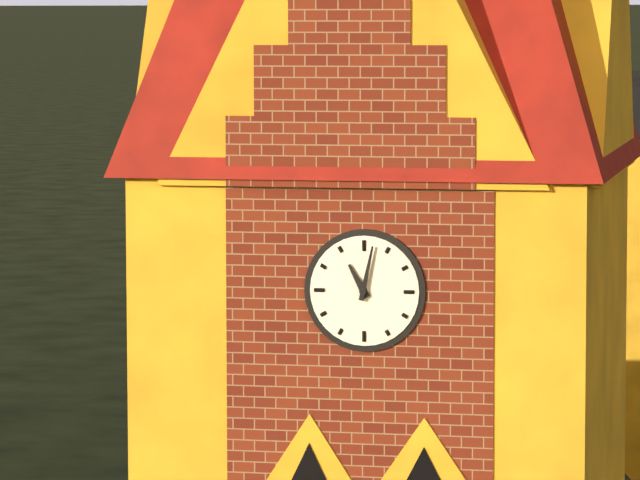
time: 11:02
